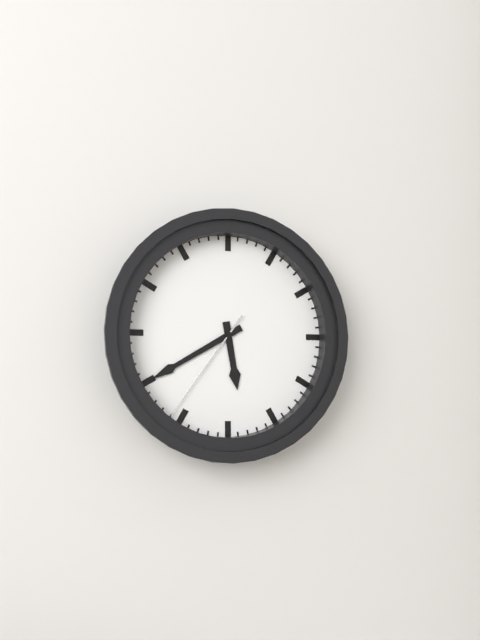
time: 5:40:36
